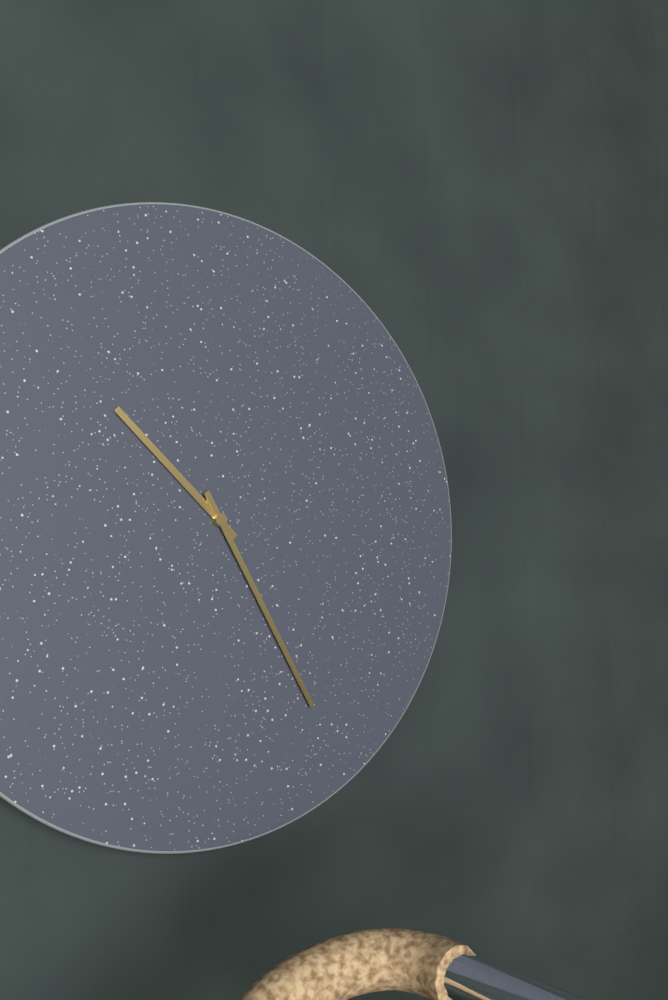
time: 10:25
